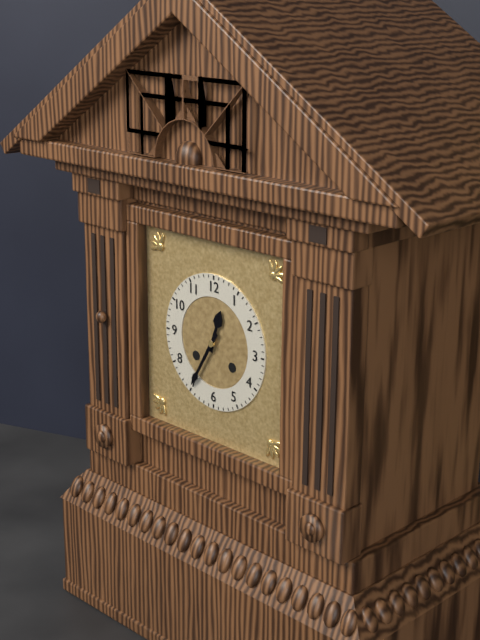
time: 12:35
